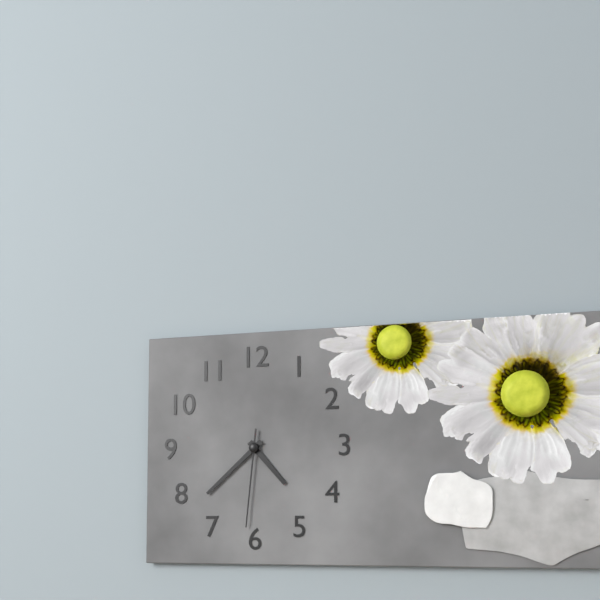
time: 4:38:31
